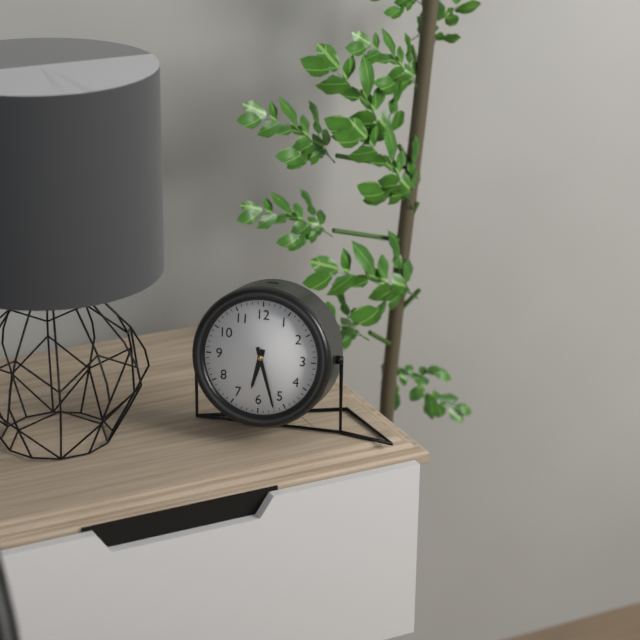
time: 6:27
